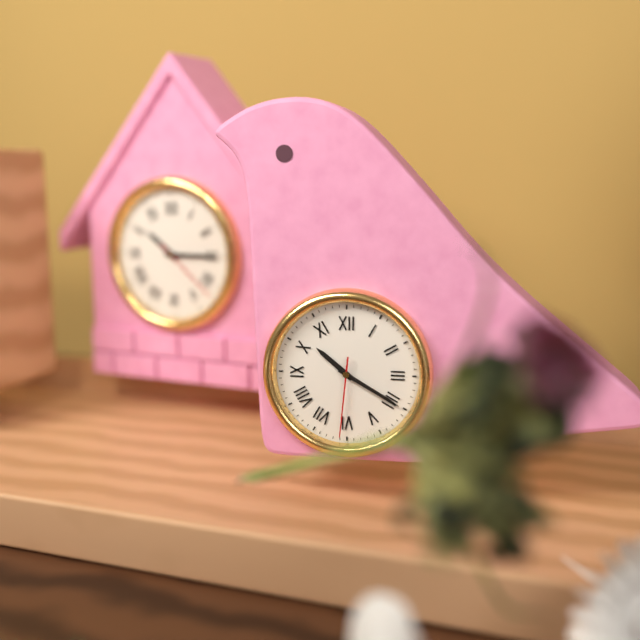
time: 10:20:31
